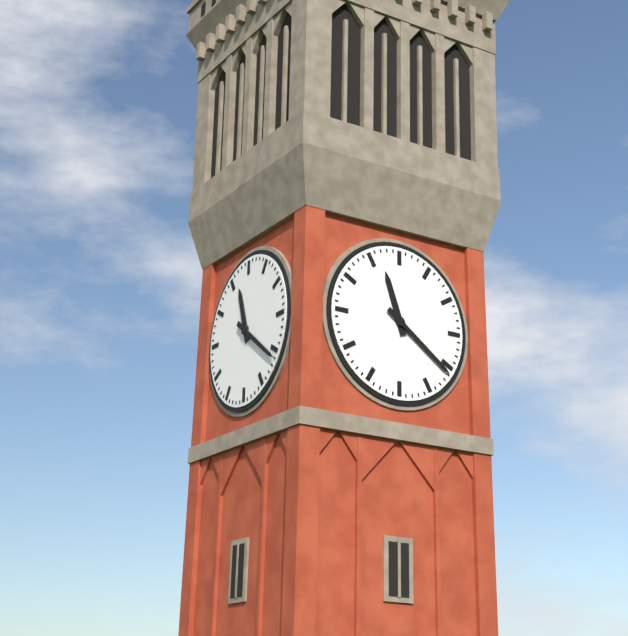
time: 11:21
